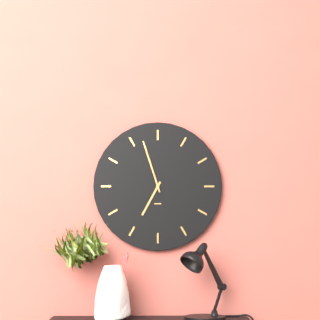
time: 6:57
